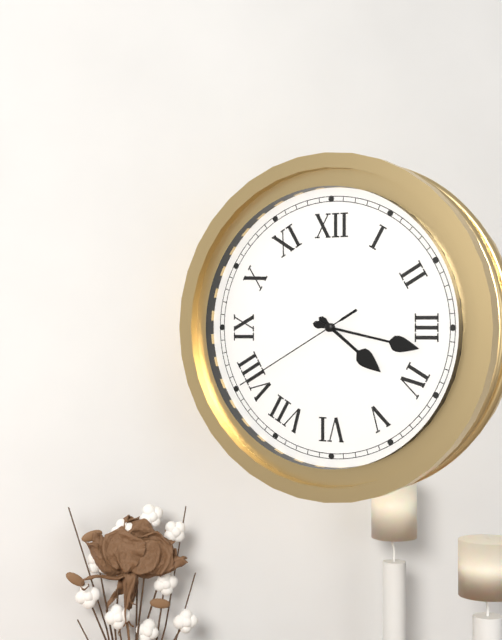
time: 4:17:40
